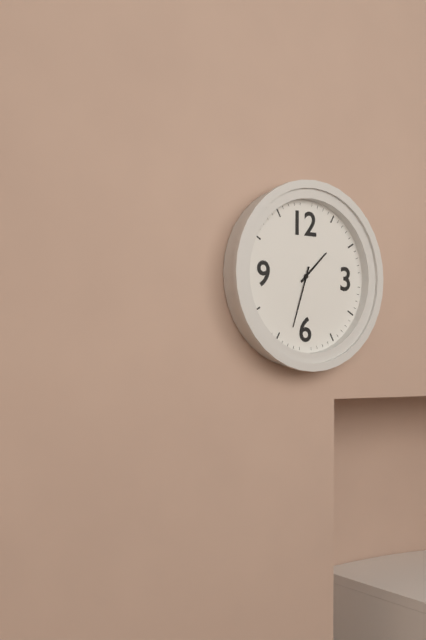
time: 1:33
